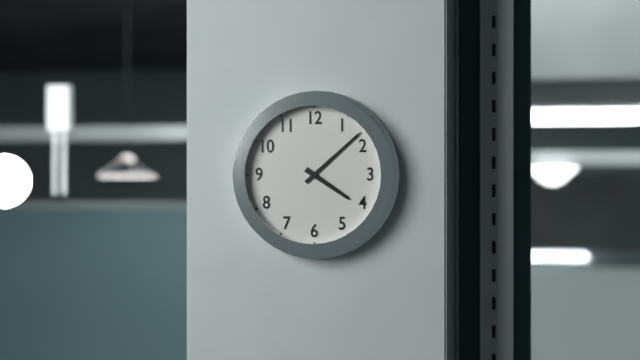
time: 4:08
